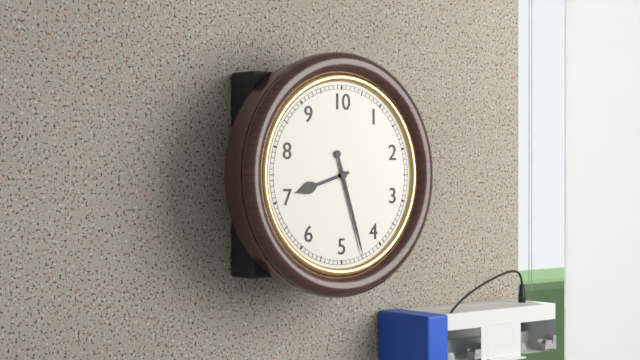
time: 8:27
